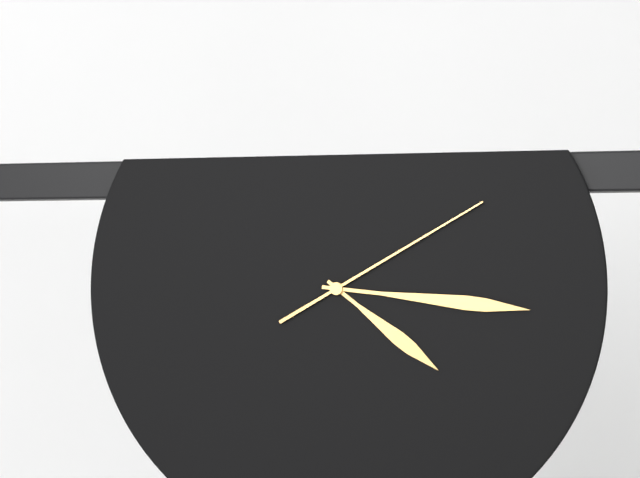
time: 4:16:10
